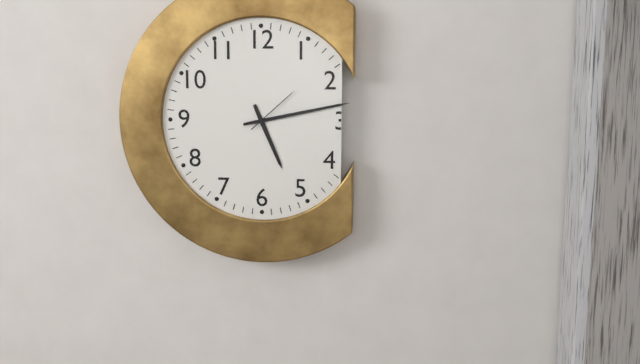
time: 5:13:08
